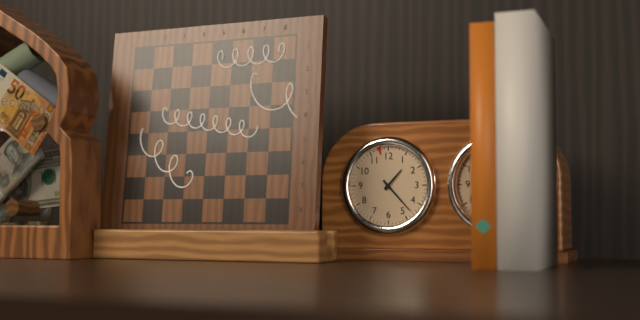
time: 1:23
